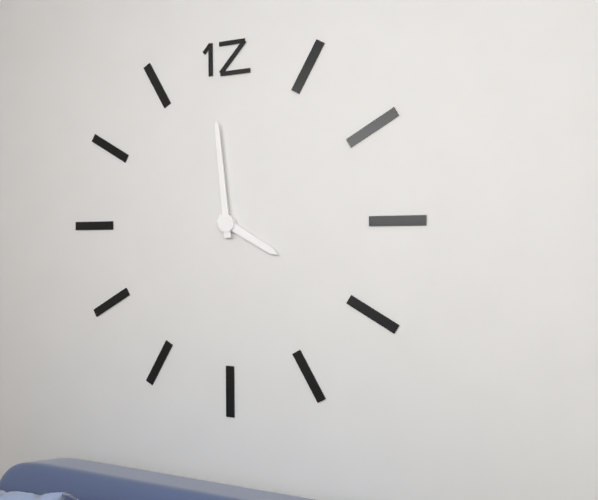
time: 3:59
